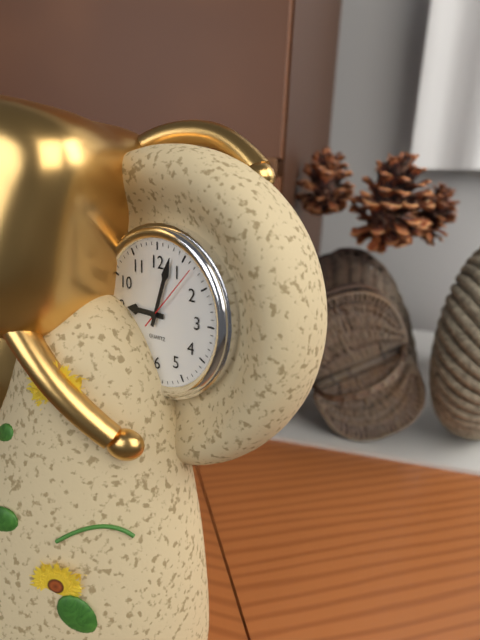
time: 9:03:07
